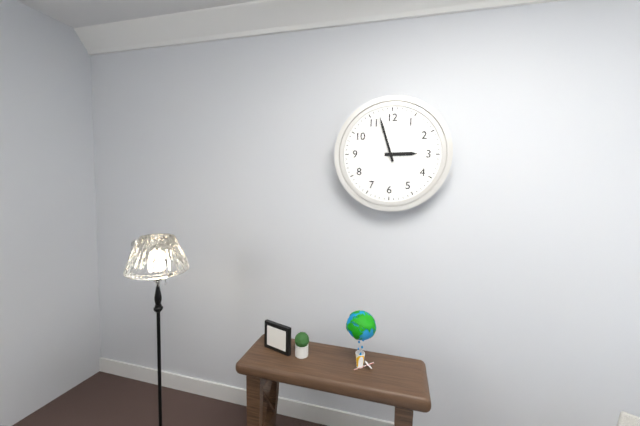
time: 2:57
